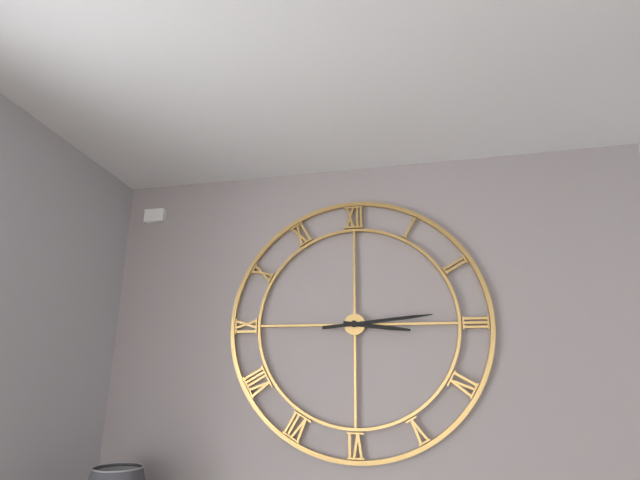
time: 3:14
